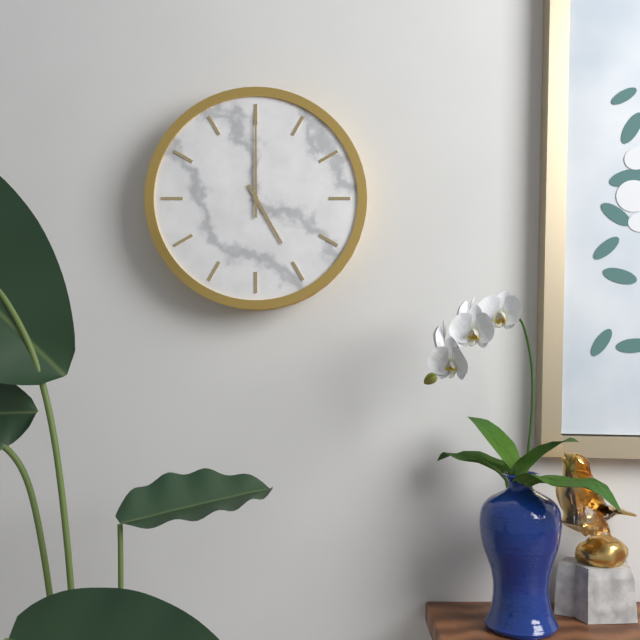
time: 5:00
